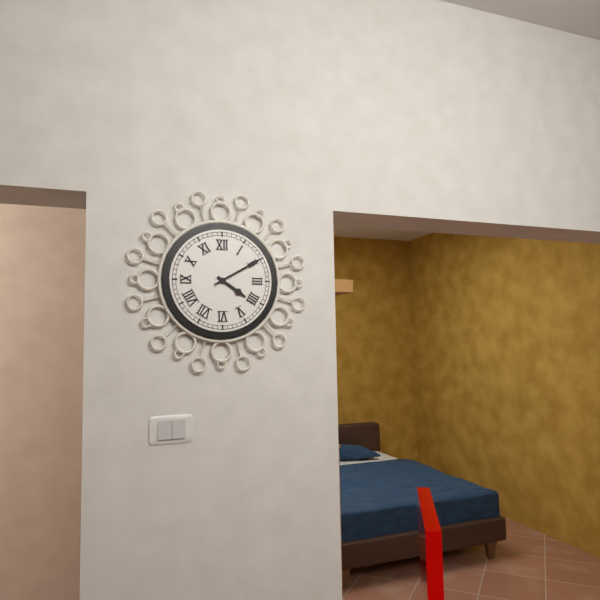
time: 4:10
